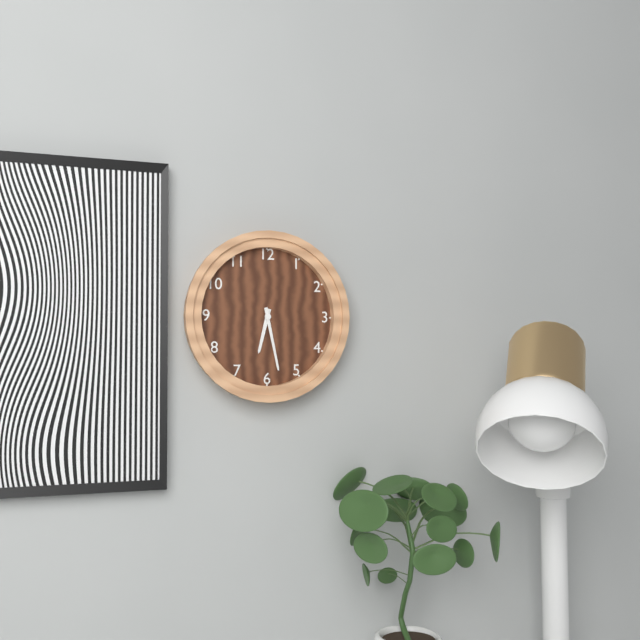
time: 6:28
